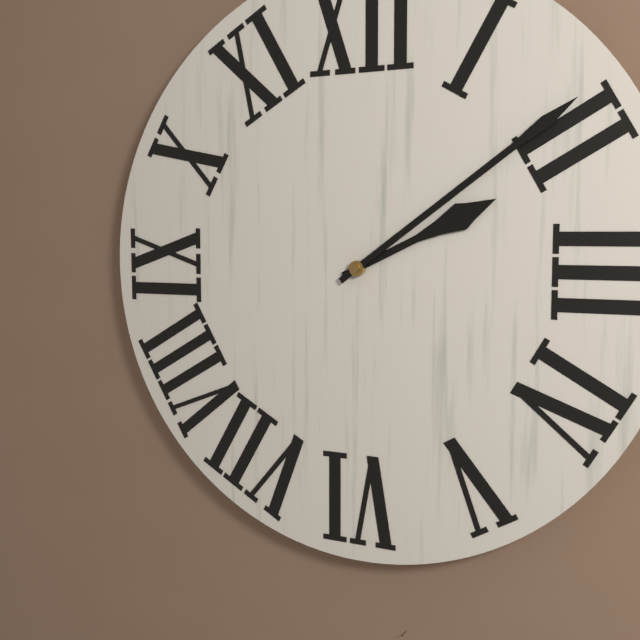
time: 2:09
